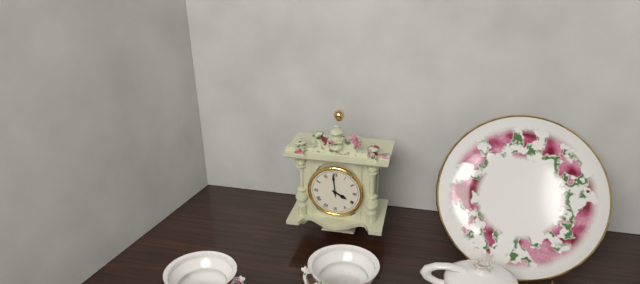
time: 3:59
